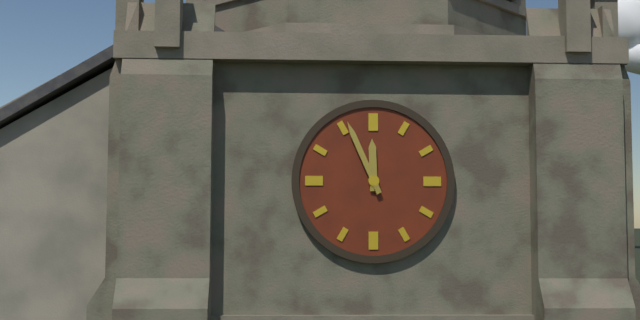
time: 11:56
